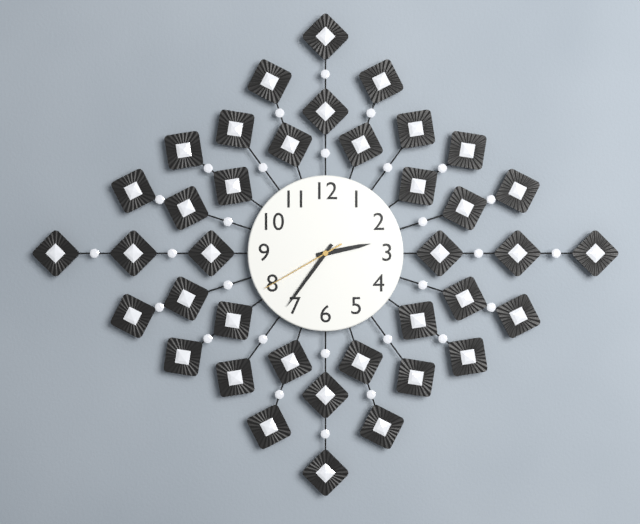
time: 2:36:40
